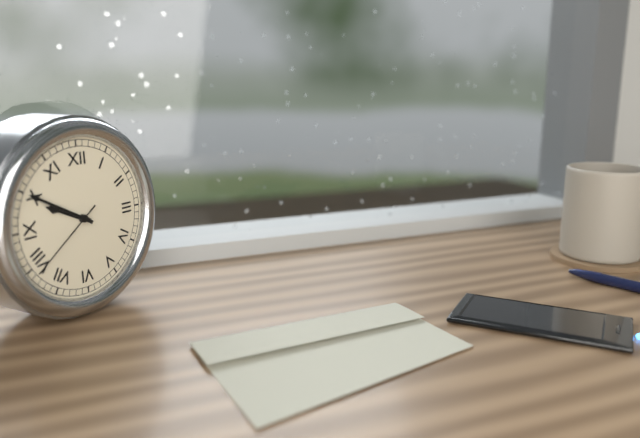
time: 9:50:39
